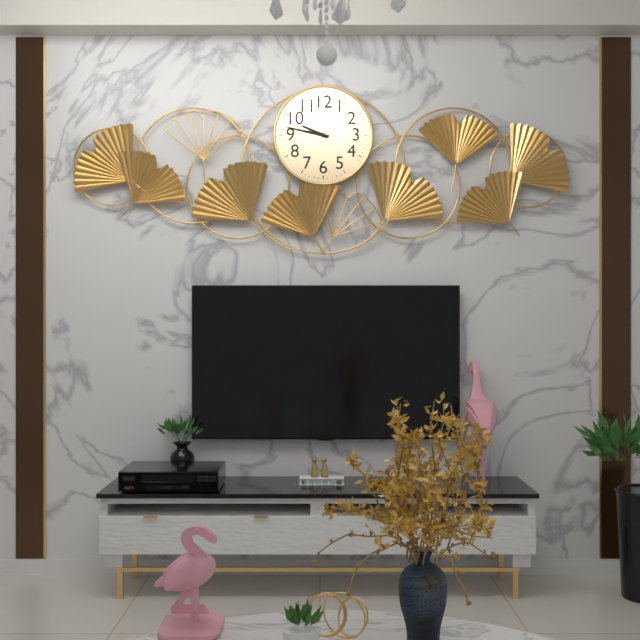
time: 9:47
